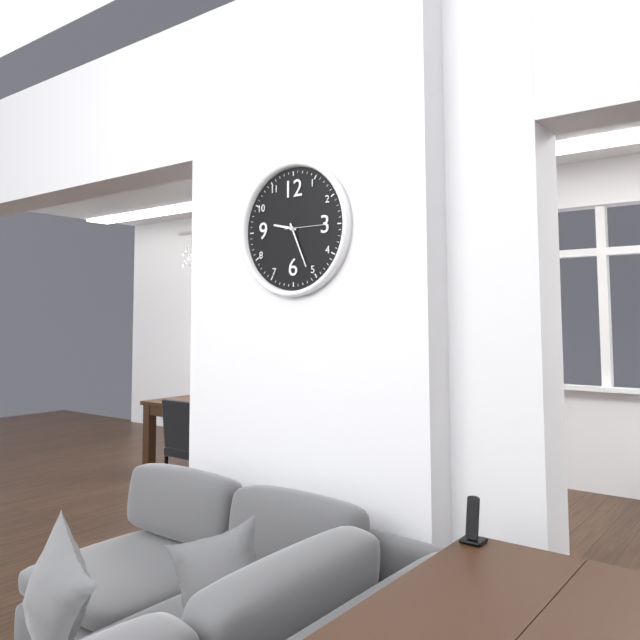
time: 9:26
